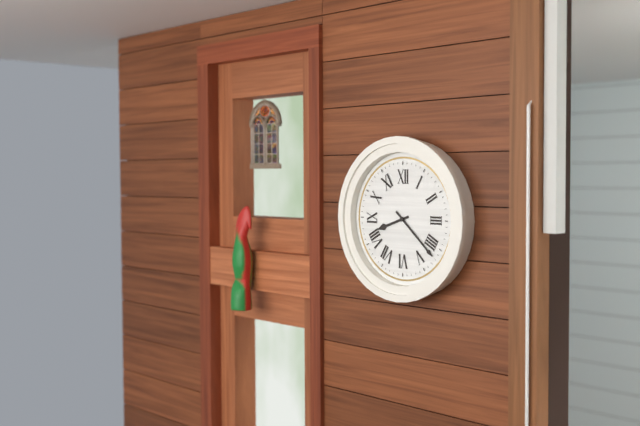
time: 8:22
